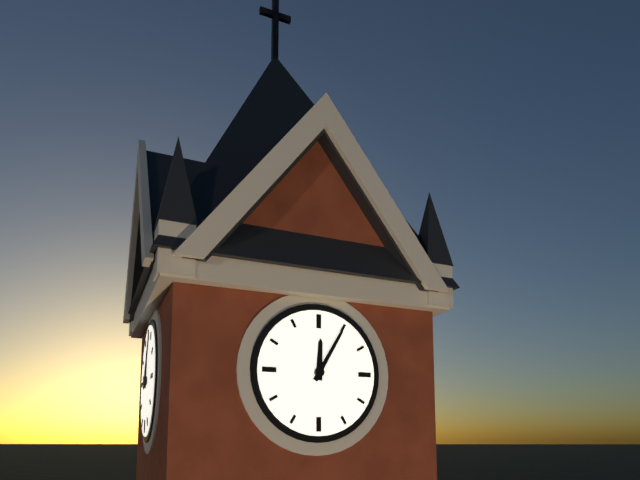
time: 12:05
